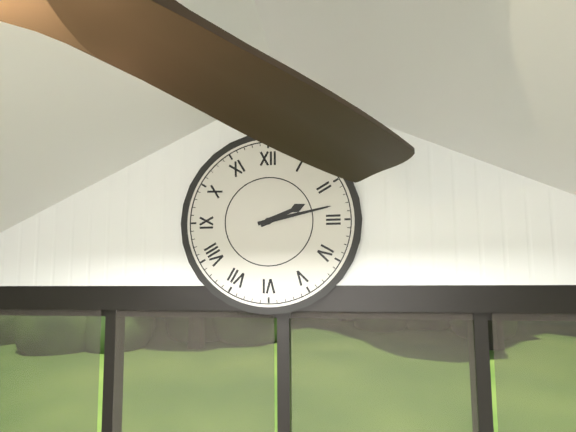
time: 2:13
